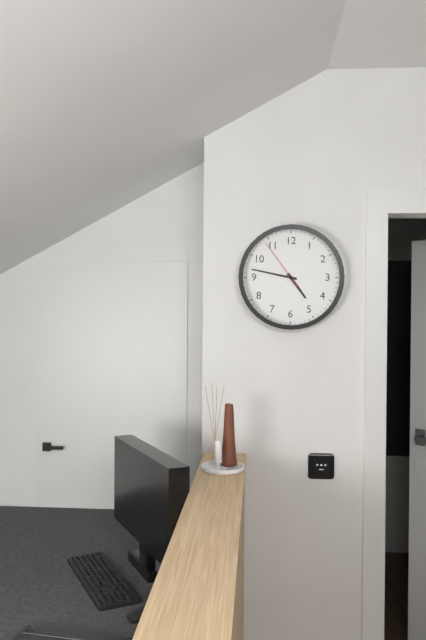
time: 4:47:54
